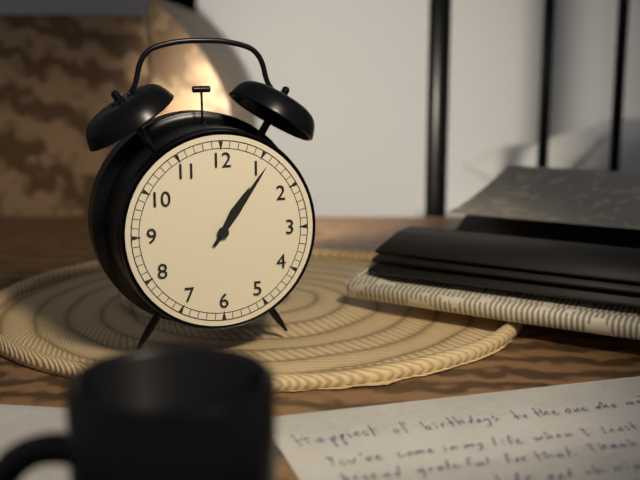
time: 1:06
